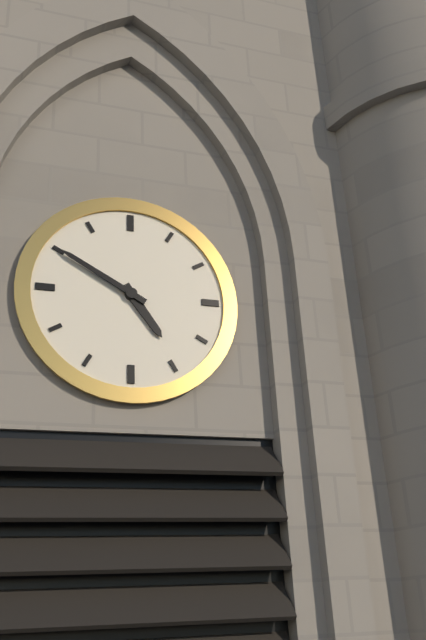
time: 4:50
